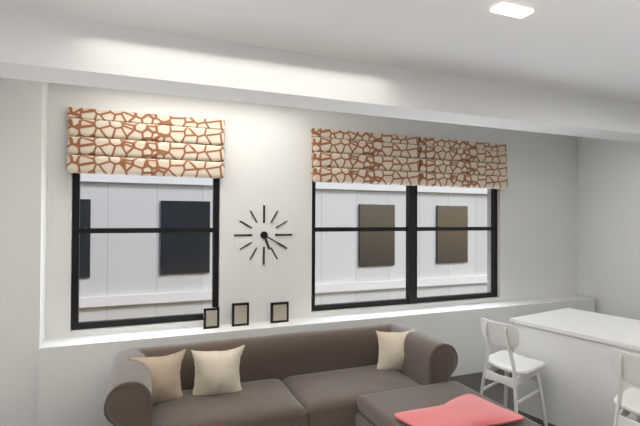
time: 5:20
